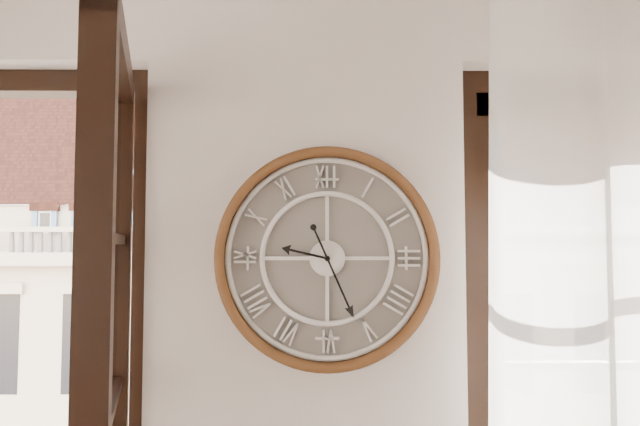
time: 9:26
